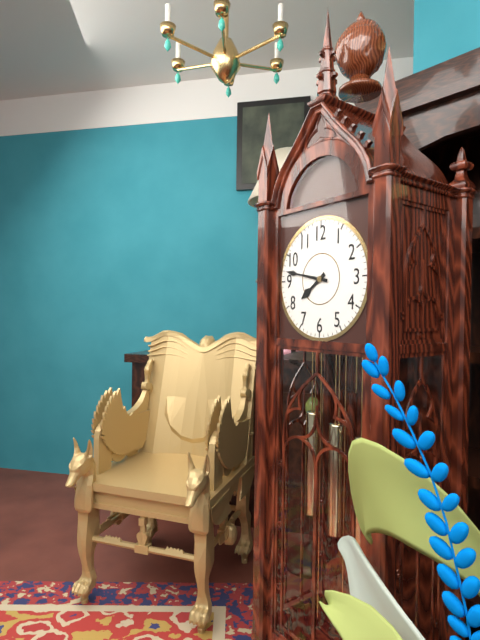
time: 7:47
